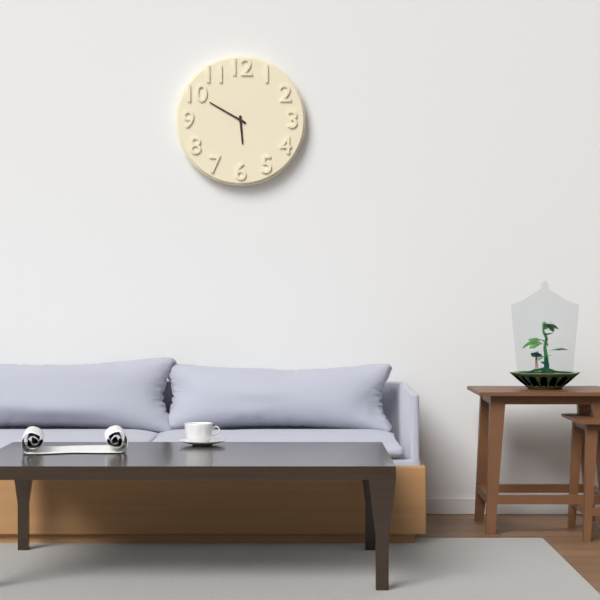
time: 5:50
